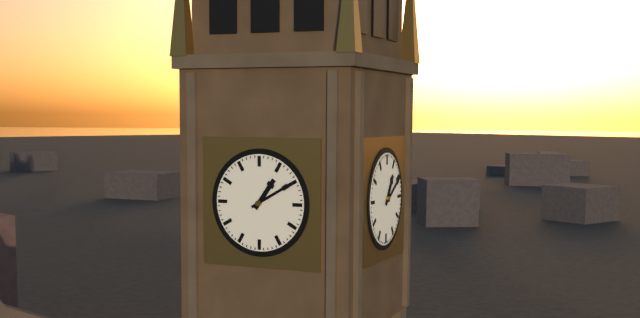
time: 1:10
